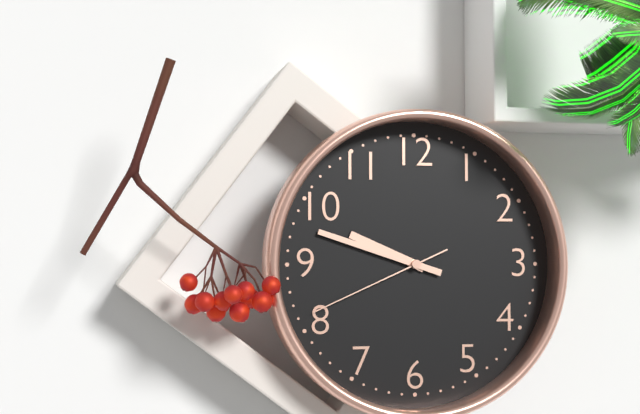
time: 9:48:41
